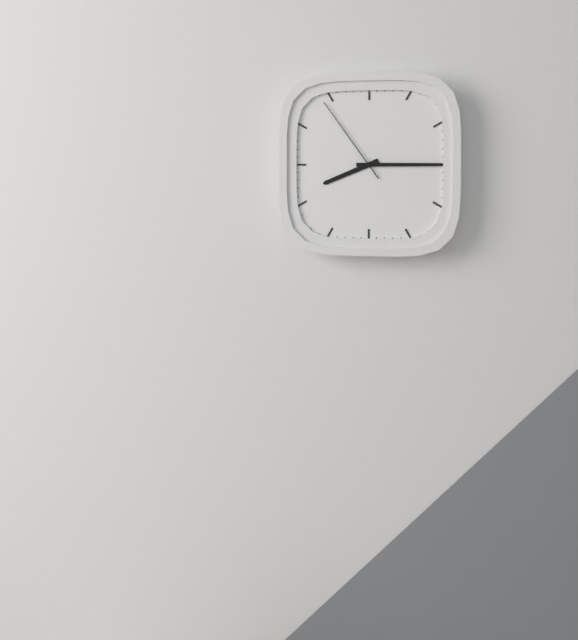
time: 8:15:54
